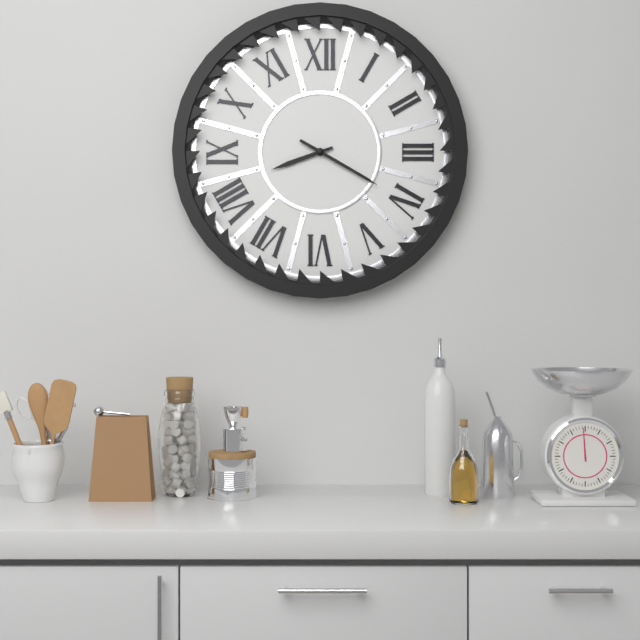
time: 8:20
